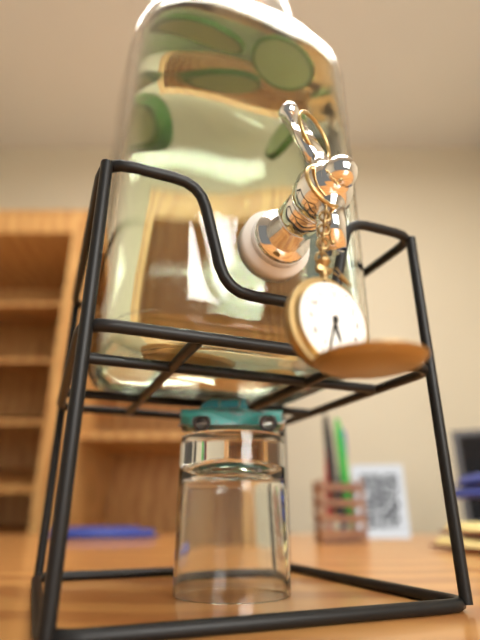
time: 5:33
